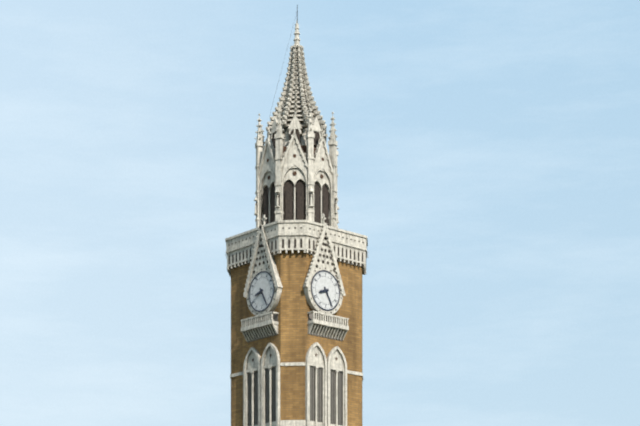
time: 8:25
